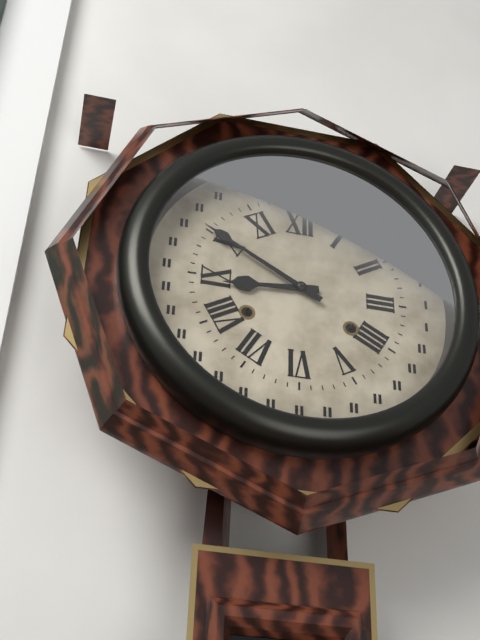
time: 8:50
